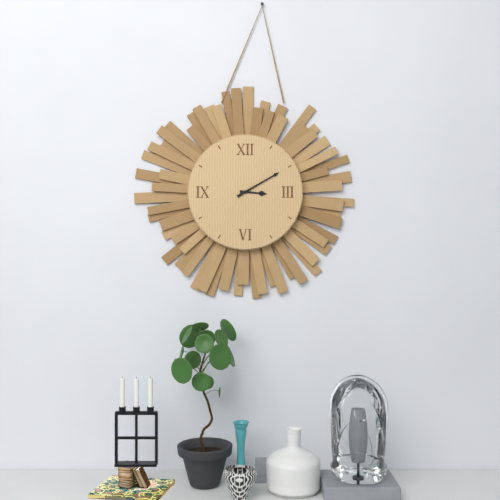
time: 3:10
